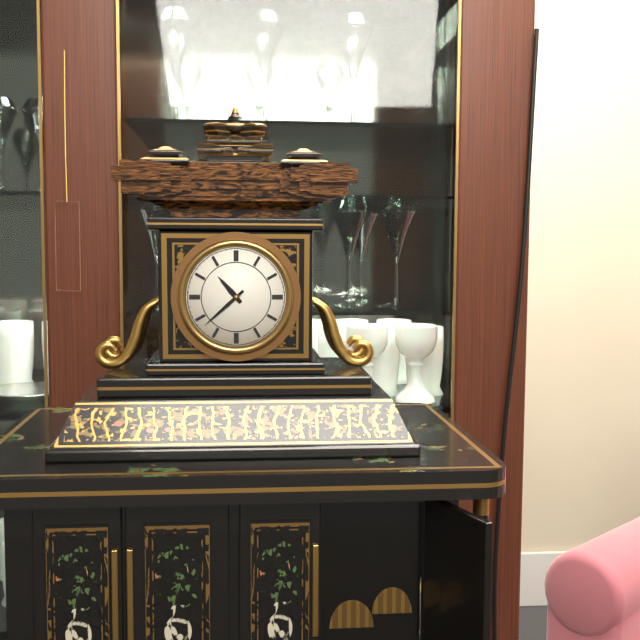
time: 10:38
